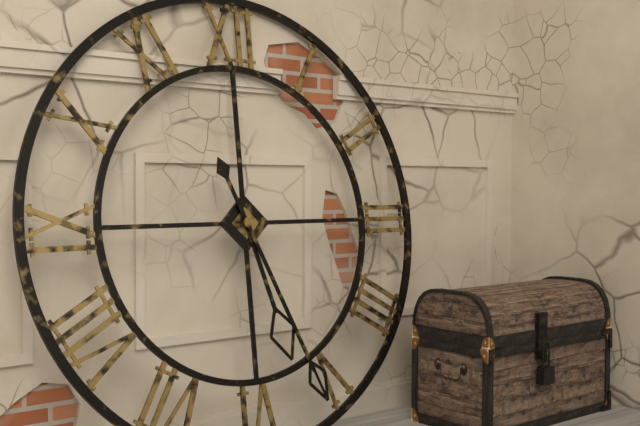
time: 5:26
